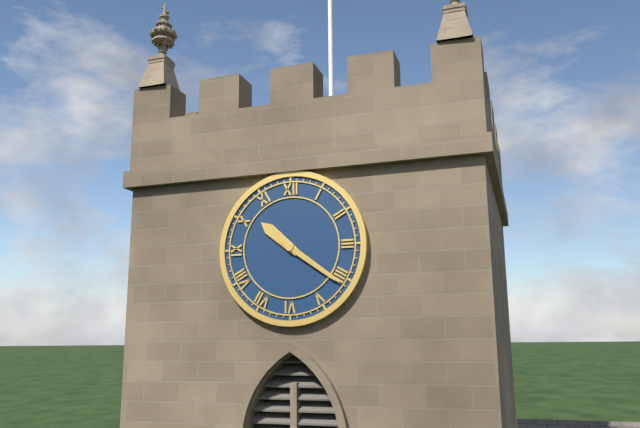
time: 10:21
